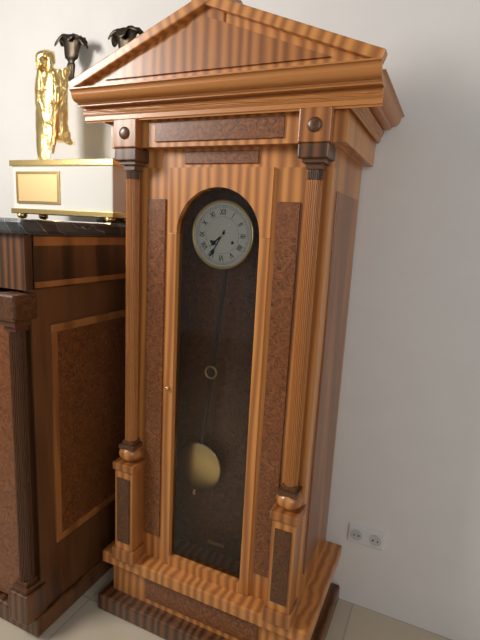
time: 7:35
